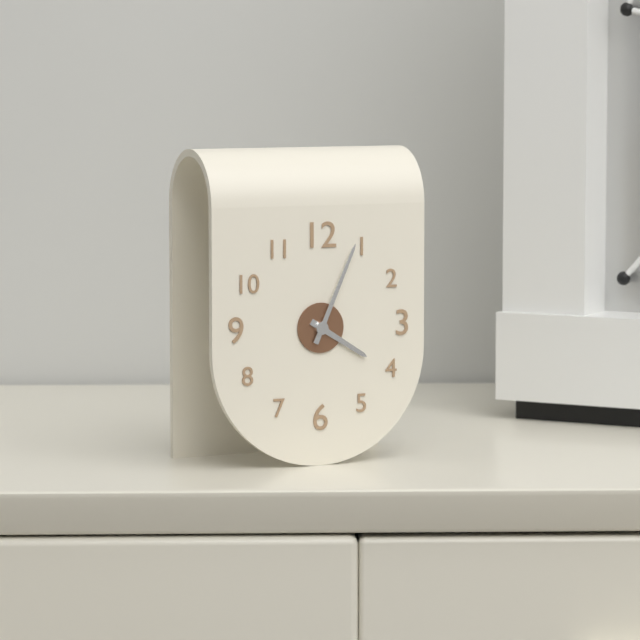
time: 4:04
